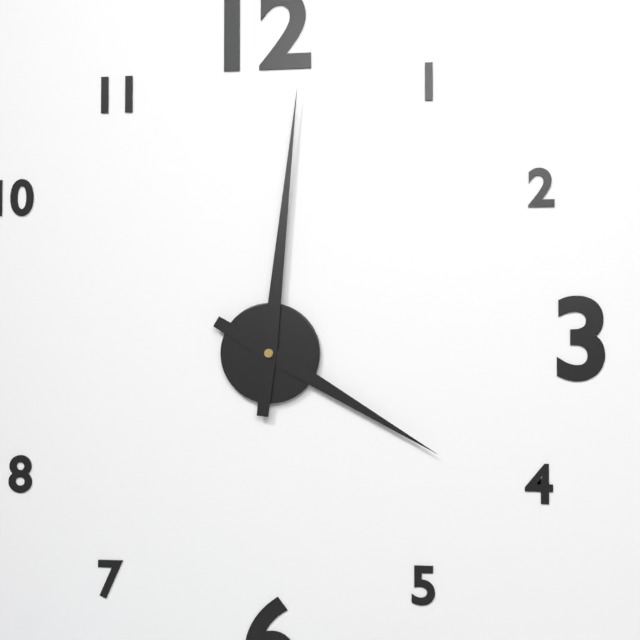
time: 4:01
